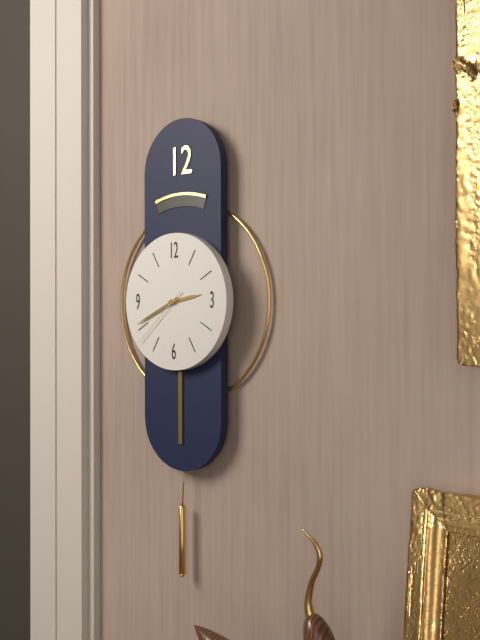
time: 2:41:38
